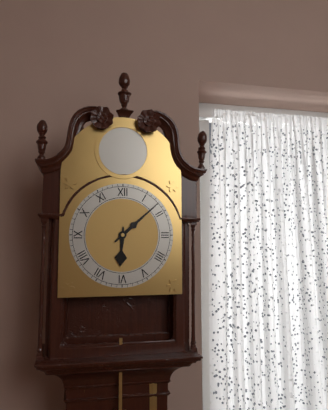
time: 6:08
